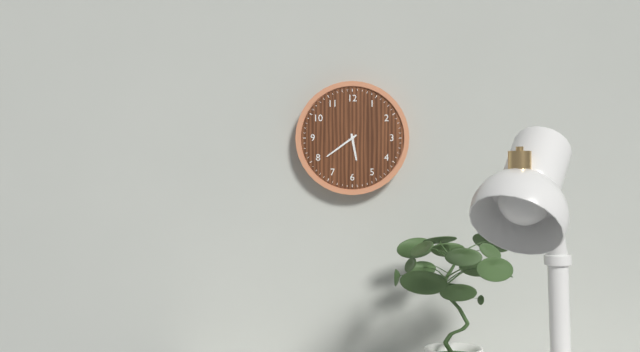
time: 5:39
